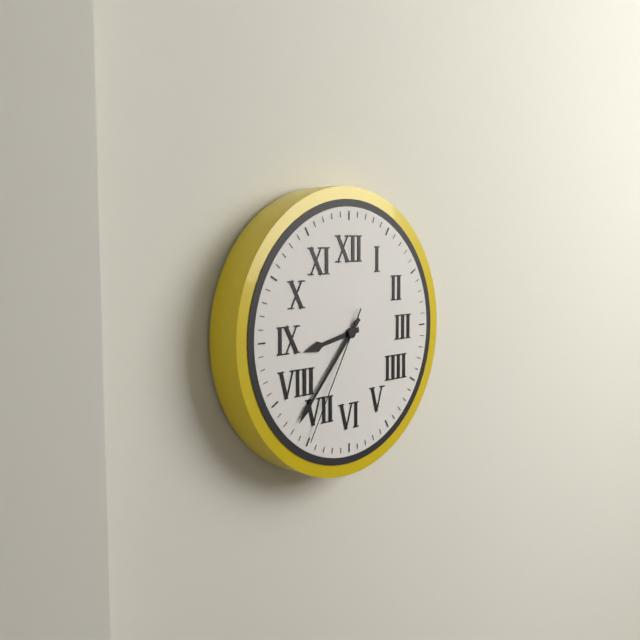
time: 8:37:35
